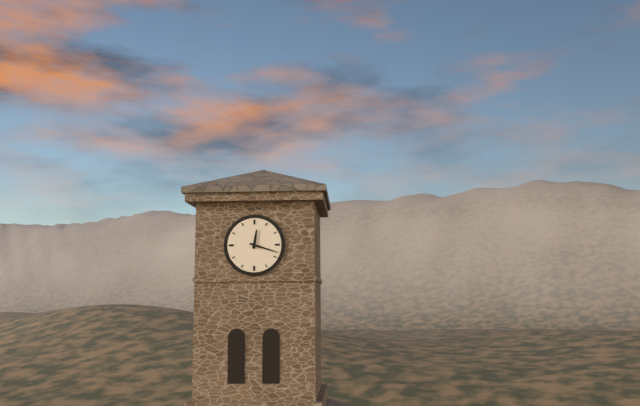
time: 12:18
